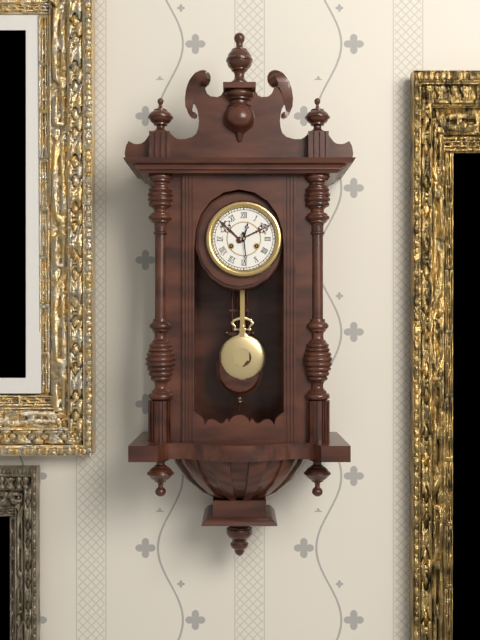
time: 12:29
